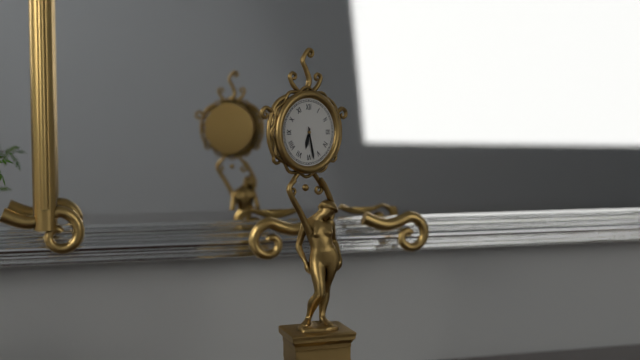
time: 6:28
